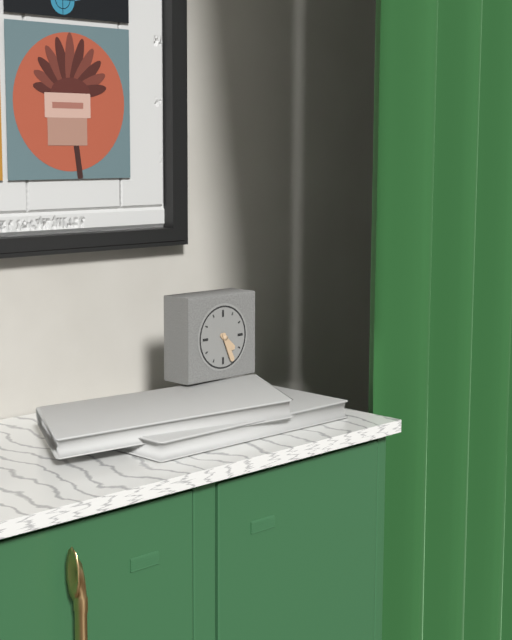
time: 4:26
